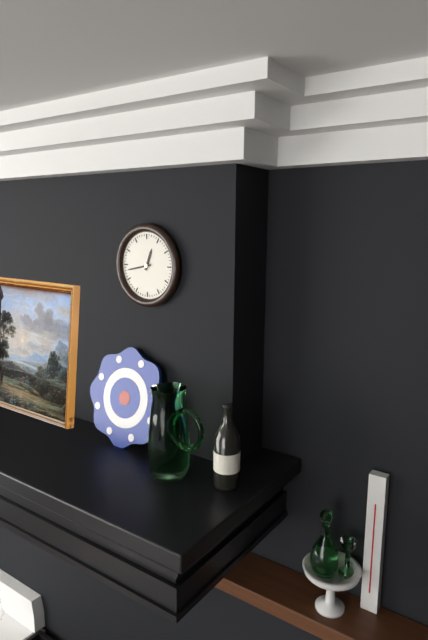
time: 12:43
